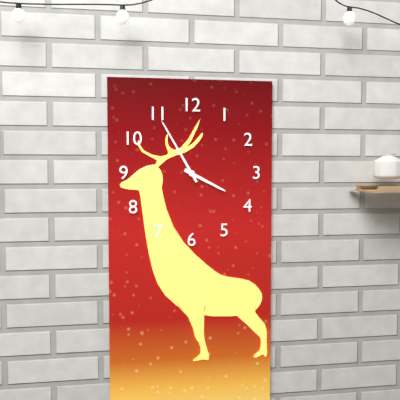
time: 3:55
